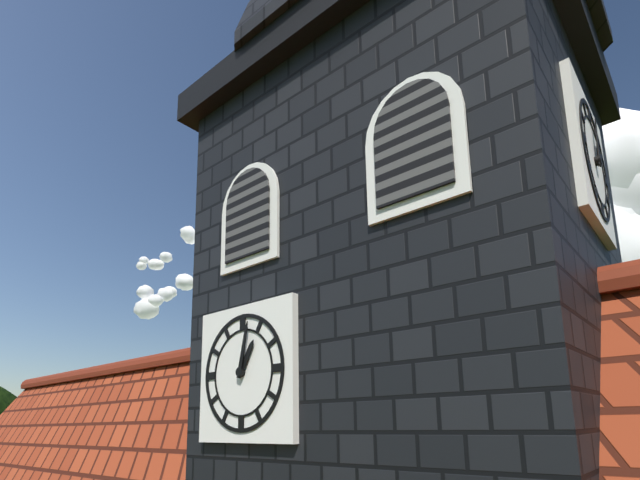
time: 1:02
